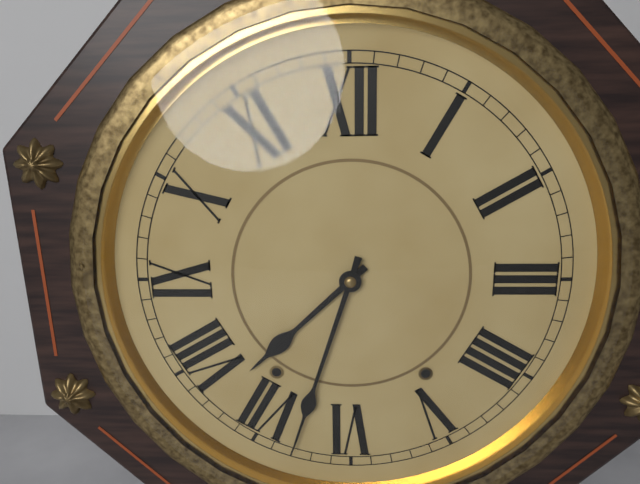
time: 7:33
